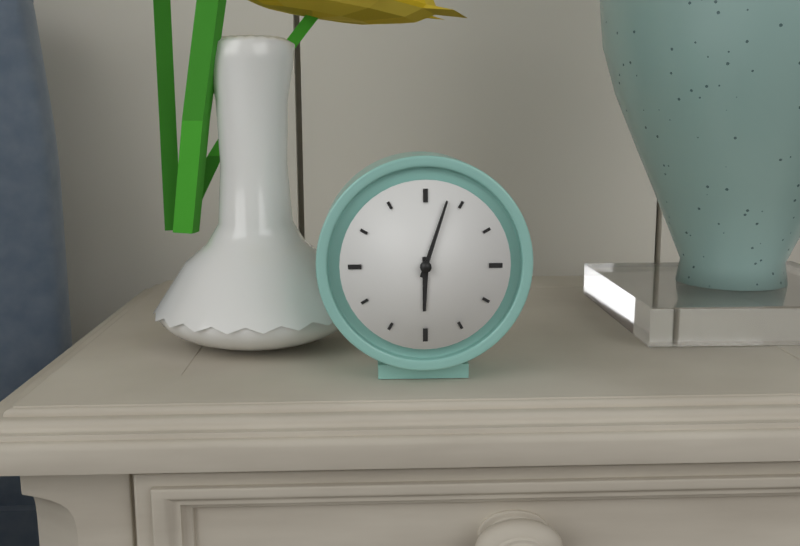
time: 6:03
